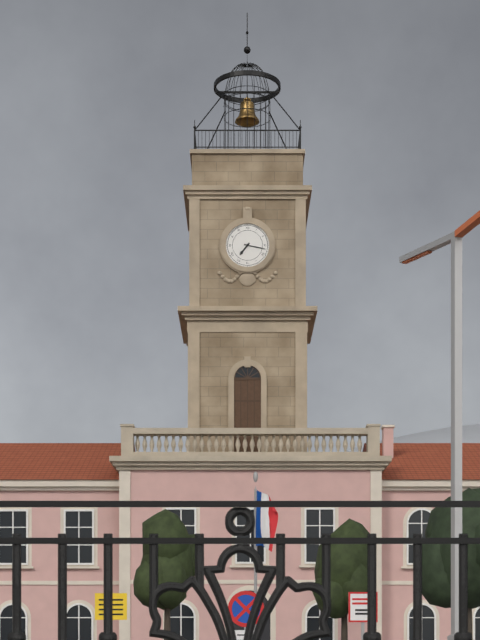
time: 7:17
